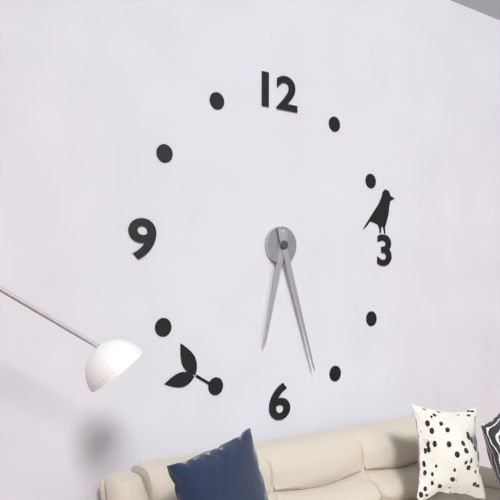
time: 6:27
